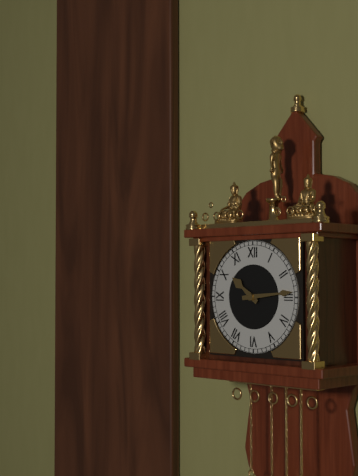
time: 10:14
